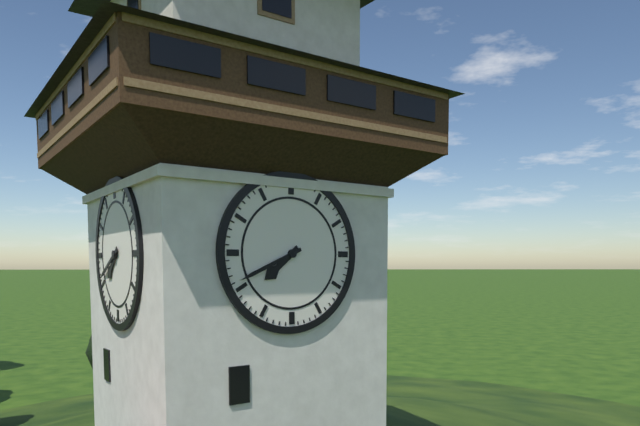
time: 7:41
